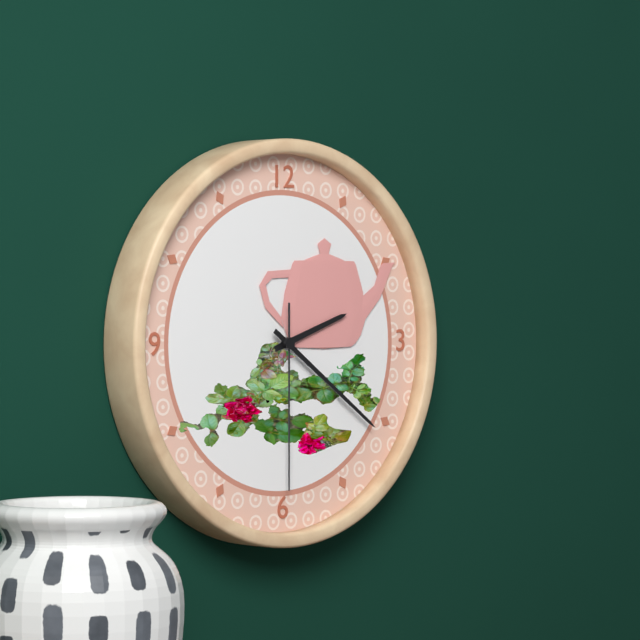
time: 2:21:30
